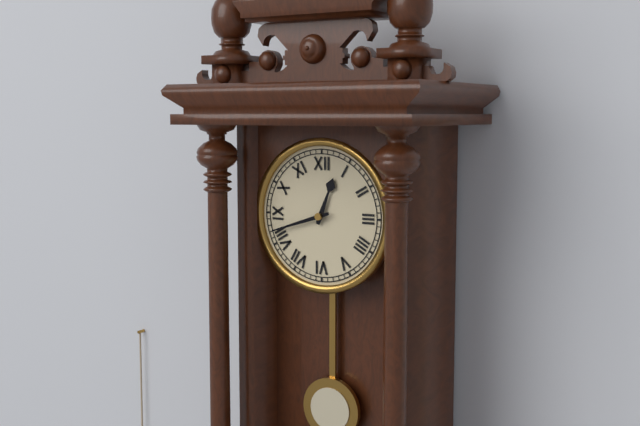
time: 12:42
